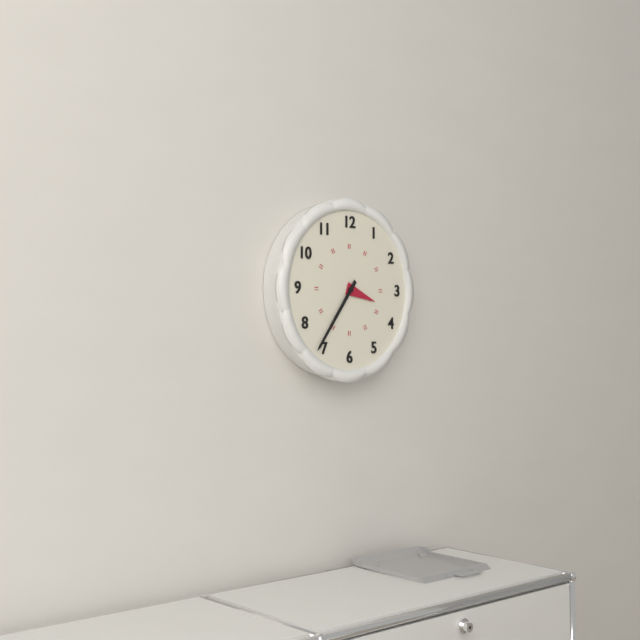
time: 3:36
